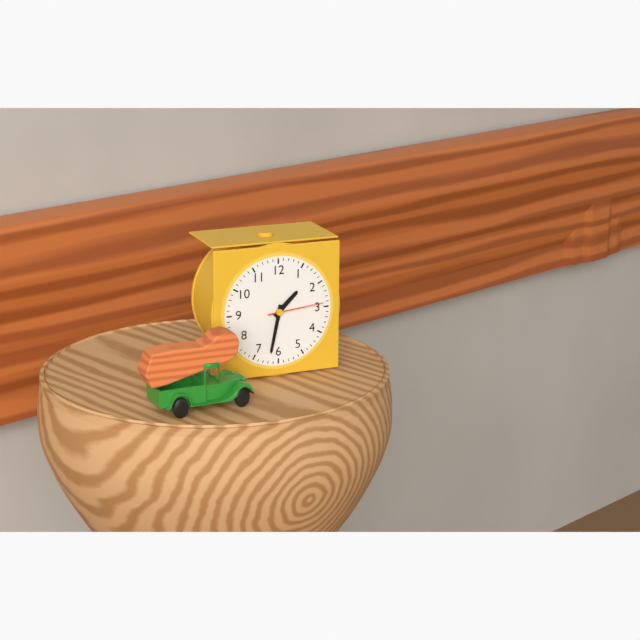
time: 1:32:14
